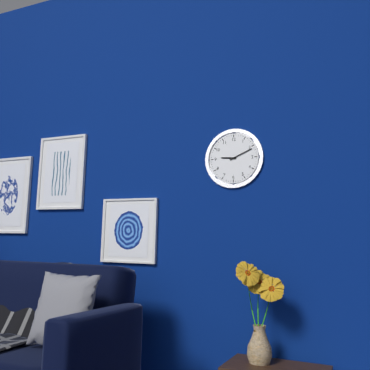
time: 9:11
